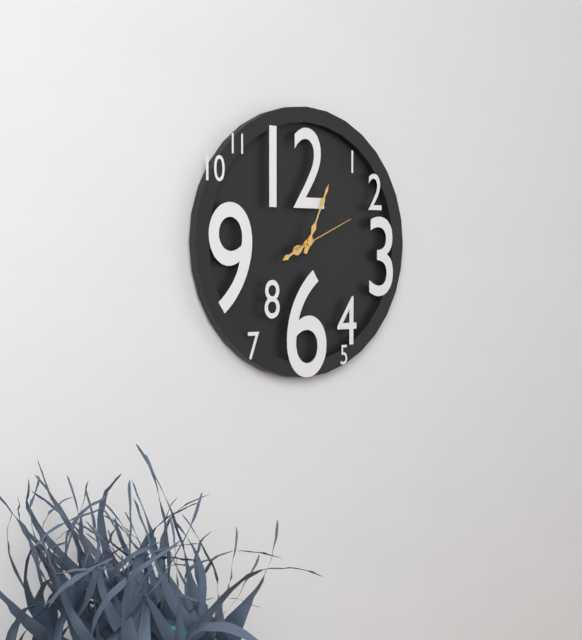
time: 8:04:11
